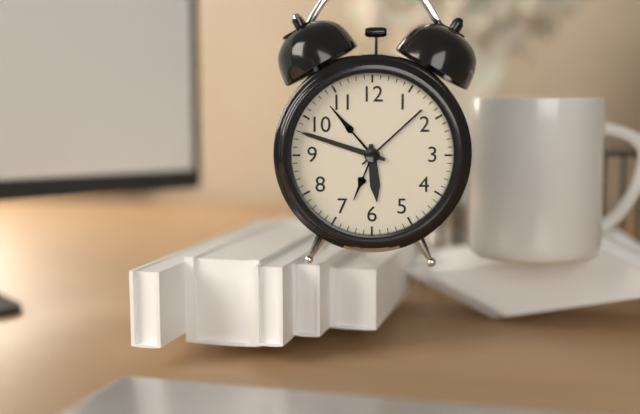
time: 5:48
